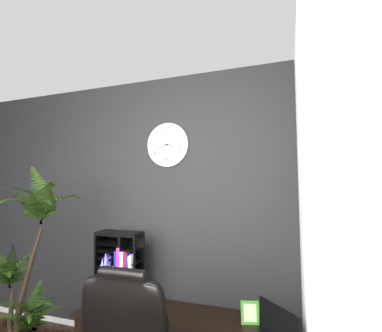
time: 8:17
